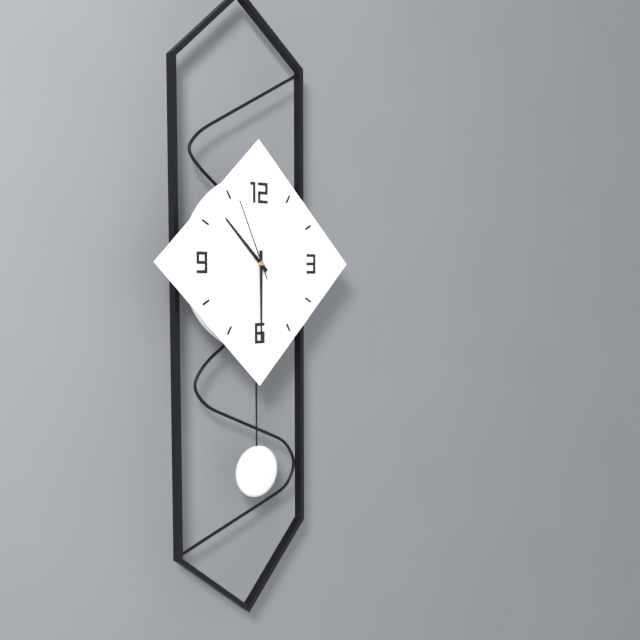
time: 10:30:56
